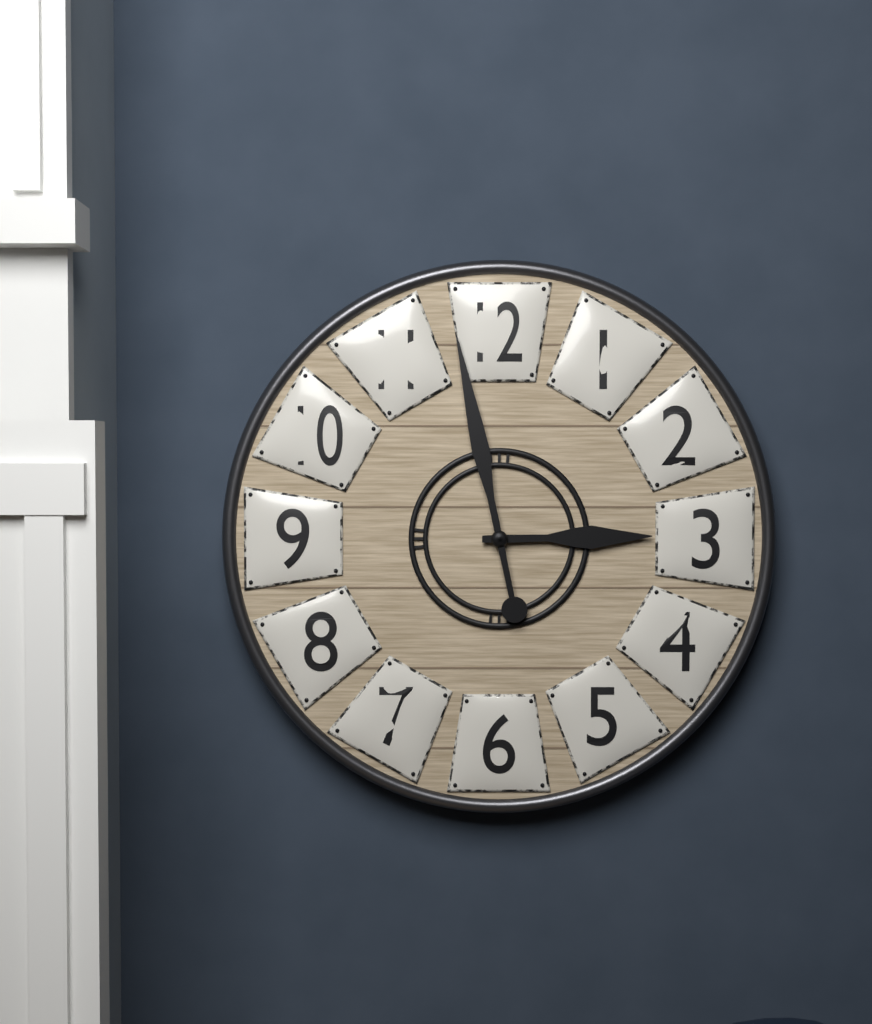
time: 2:58
